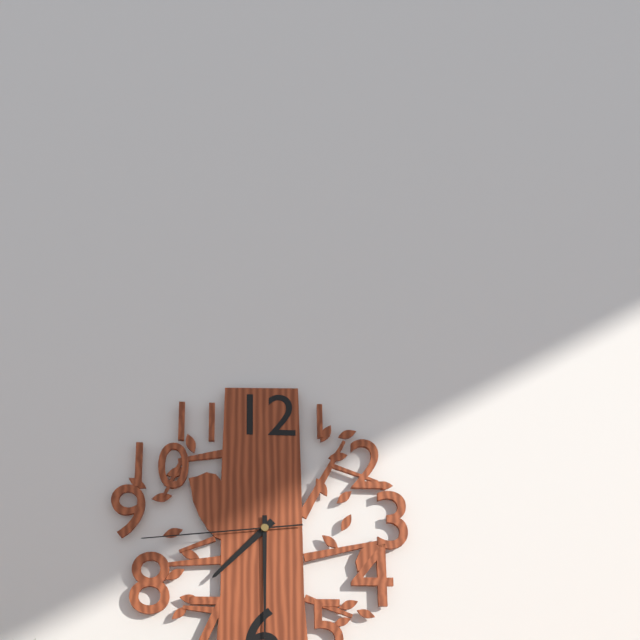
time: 7:30:44
